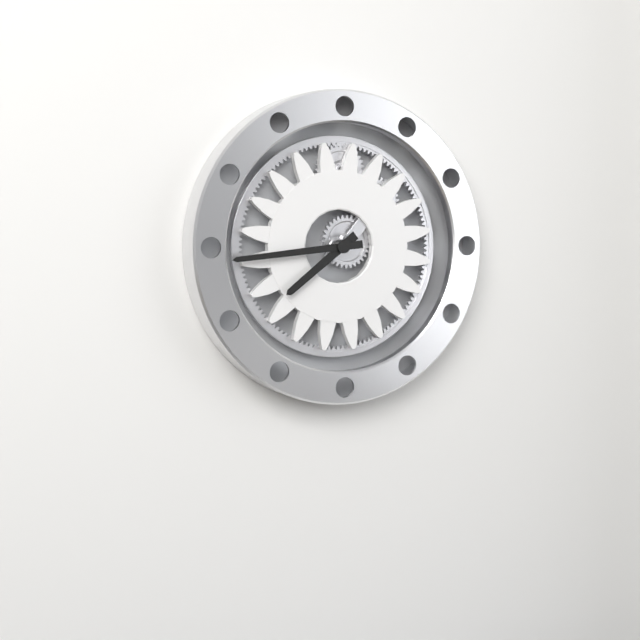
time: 7:44
